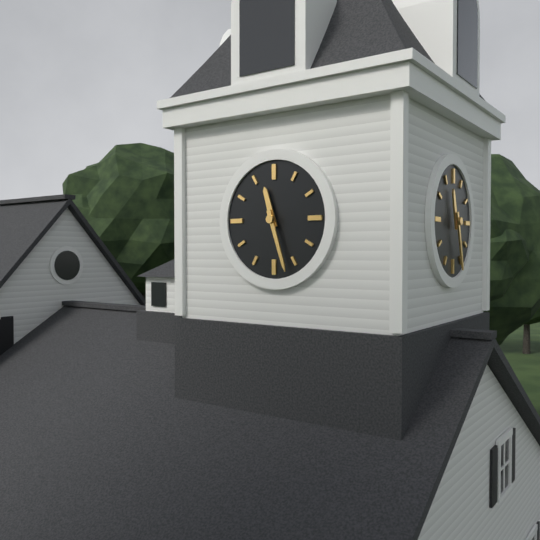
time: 11:27
